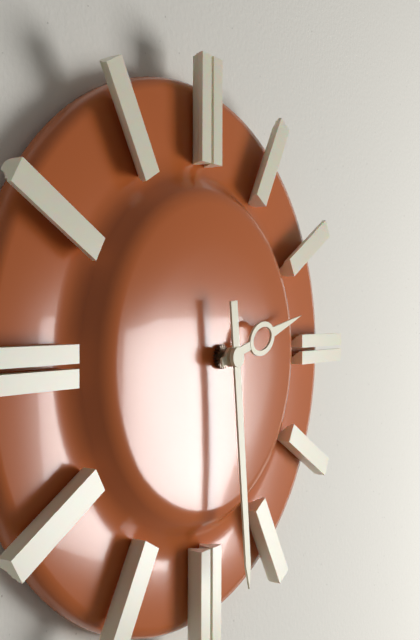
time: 2:29
